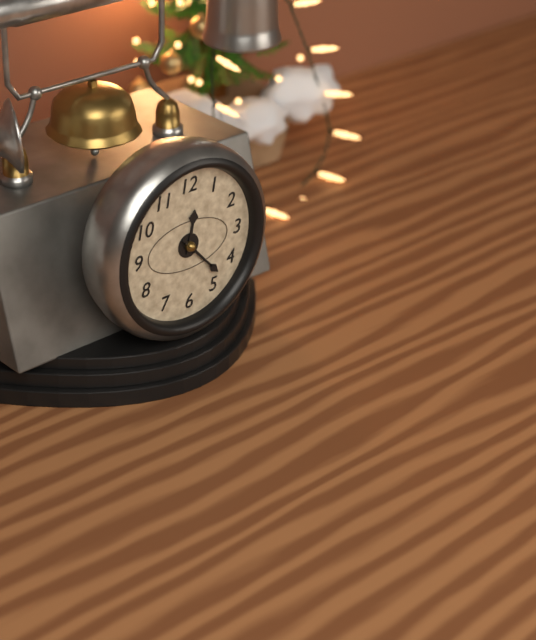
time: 12:23
